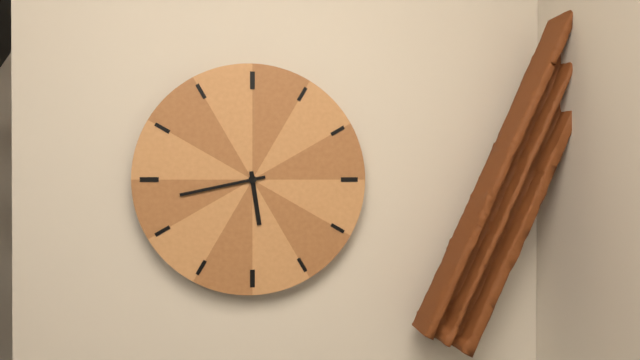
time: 5:43
